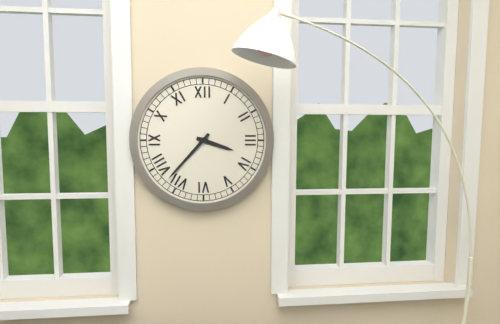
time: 3:37
